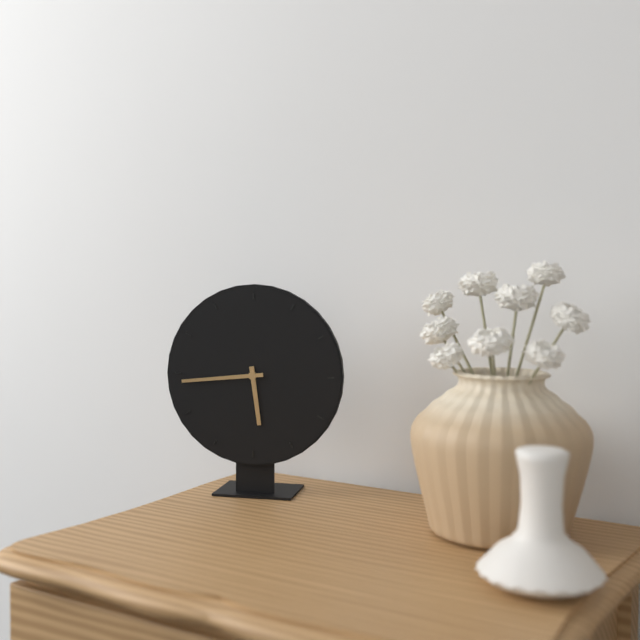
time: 5:44
